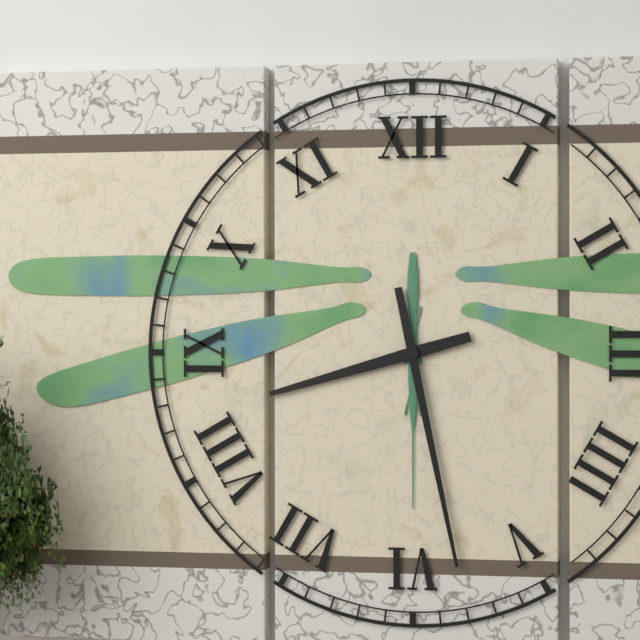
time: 8:28
